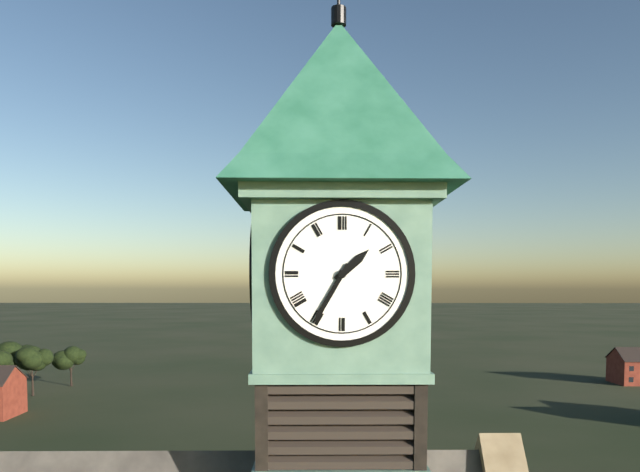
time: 1:35
